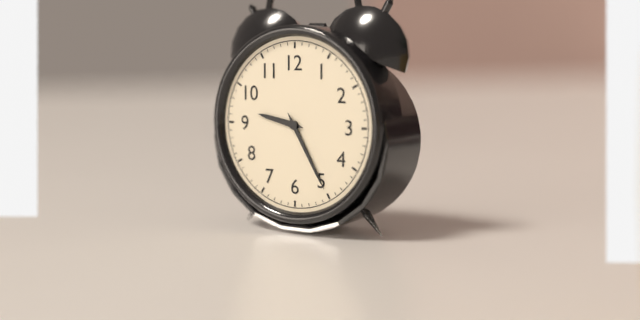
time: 9:25
